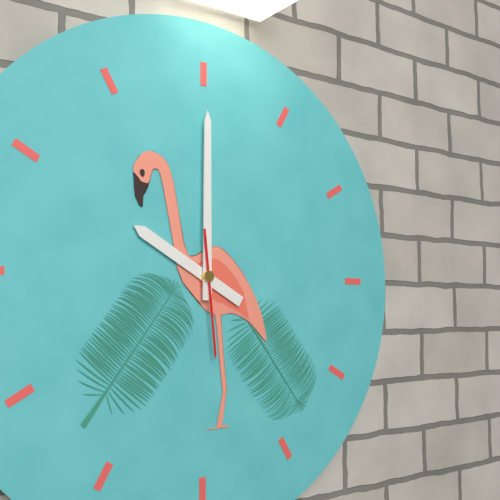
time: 10:00:29
